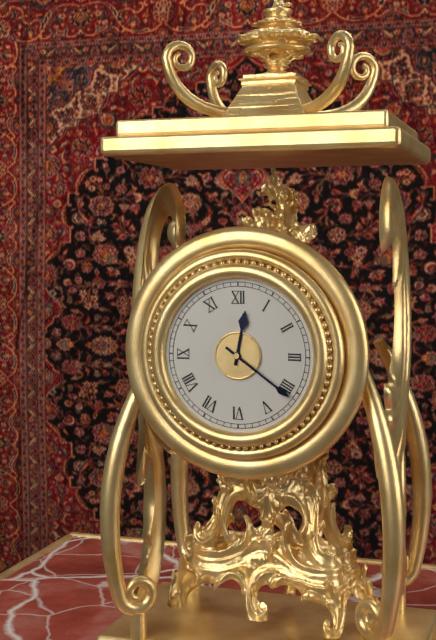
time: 12:21
